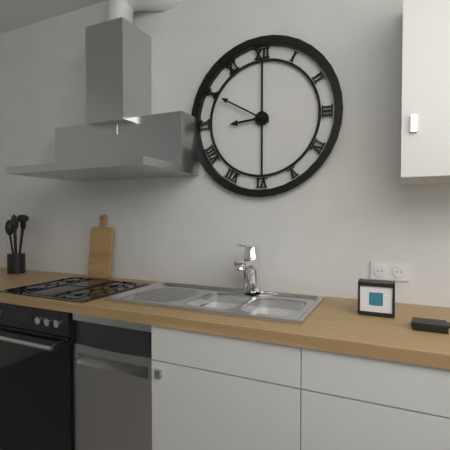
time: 8:50
